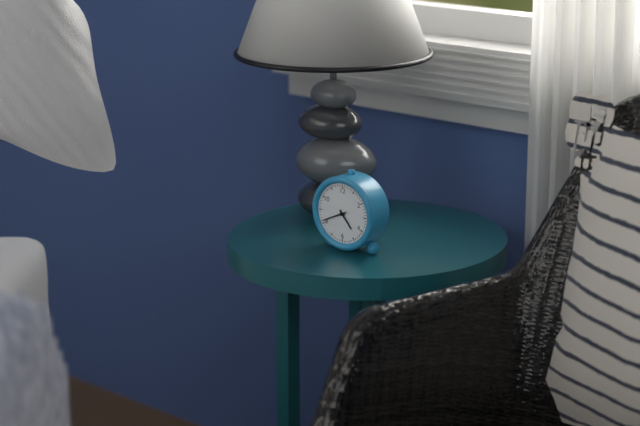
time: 4:41
